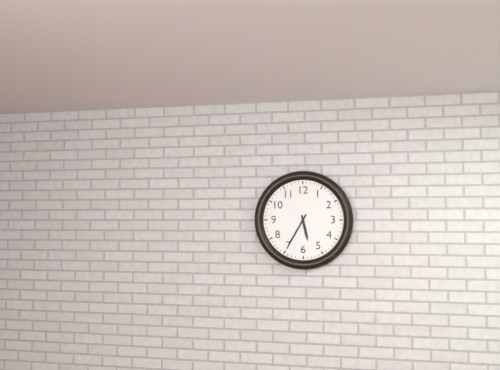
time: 5:35
